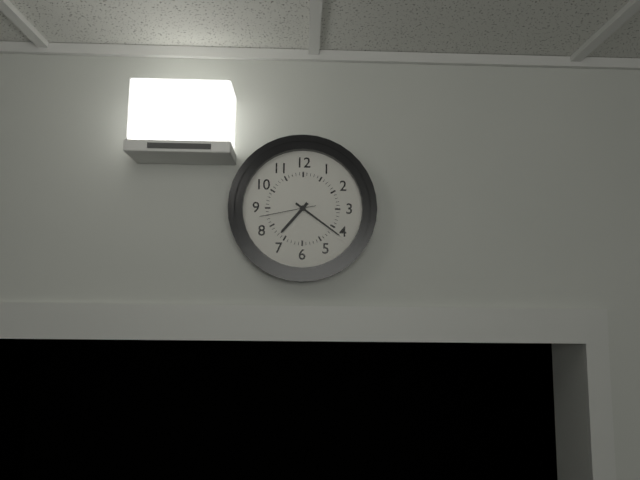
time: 7:21:43
